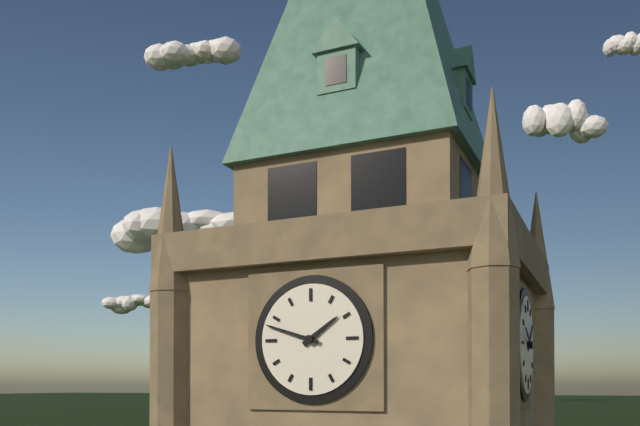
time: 1:48
